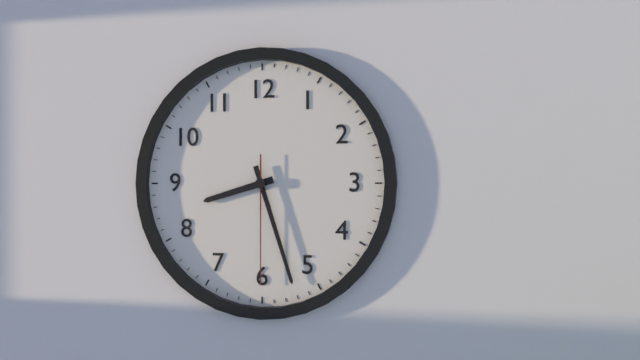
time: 8:27:30
